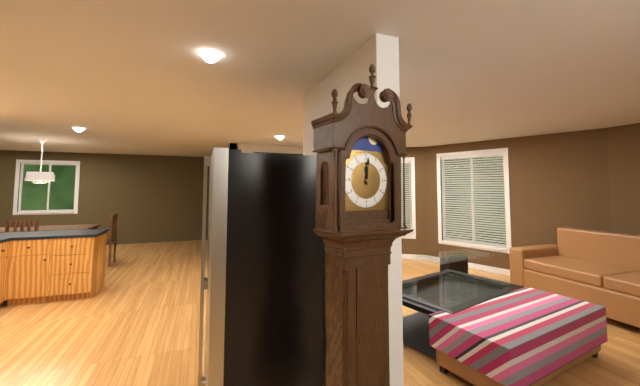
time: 12:01
